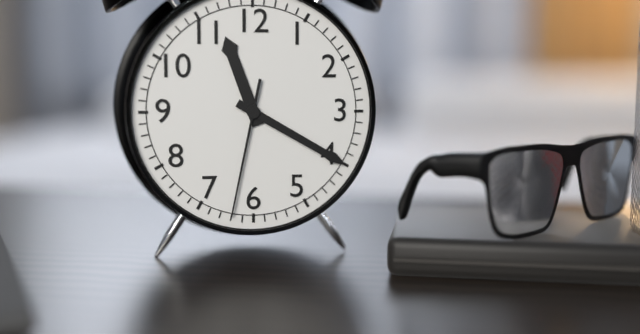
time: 11:20:32
